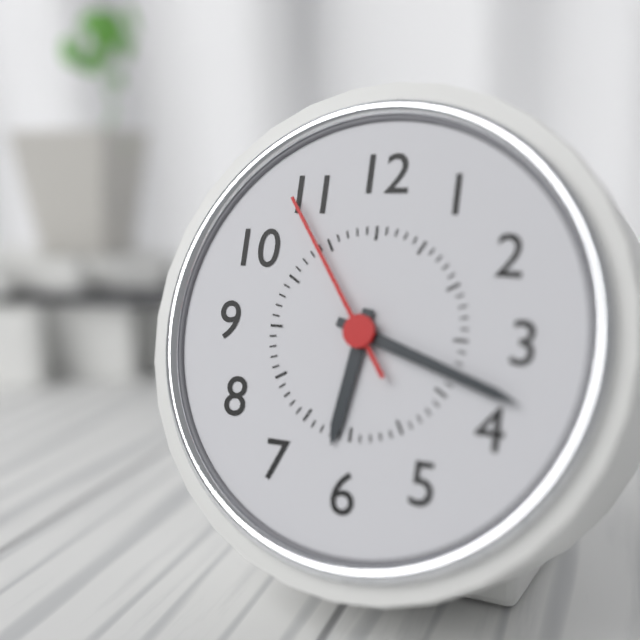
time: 6:18:54
